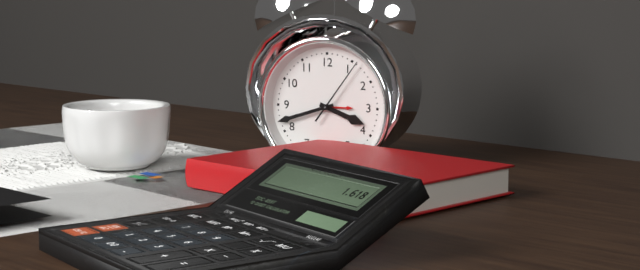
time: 3:42:06
